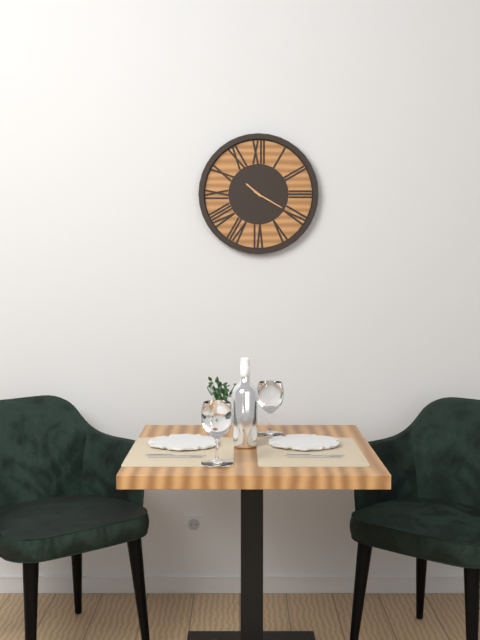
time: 10:20
